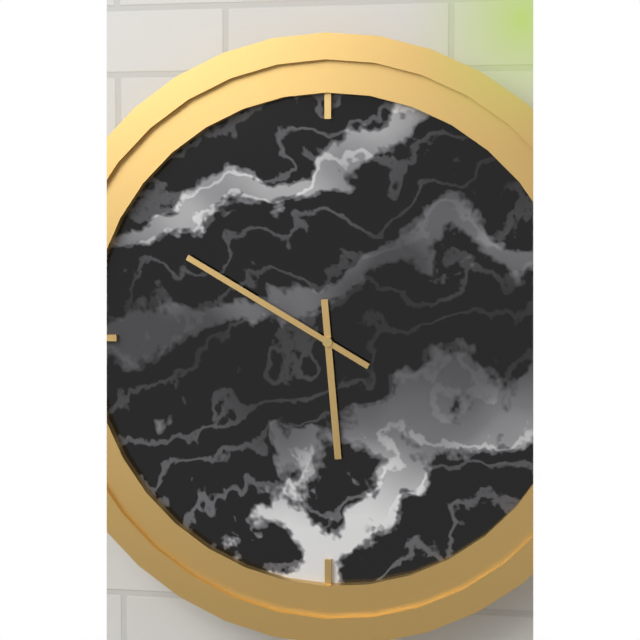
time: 5:50
